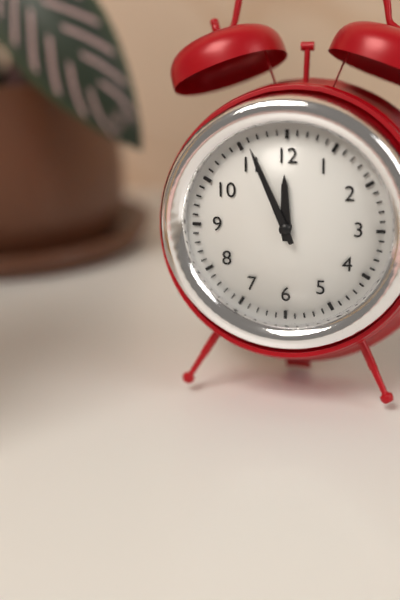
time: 11:56
